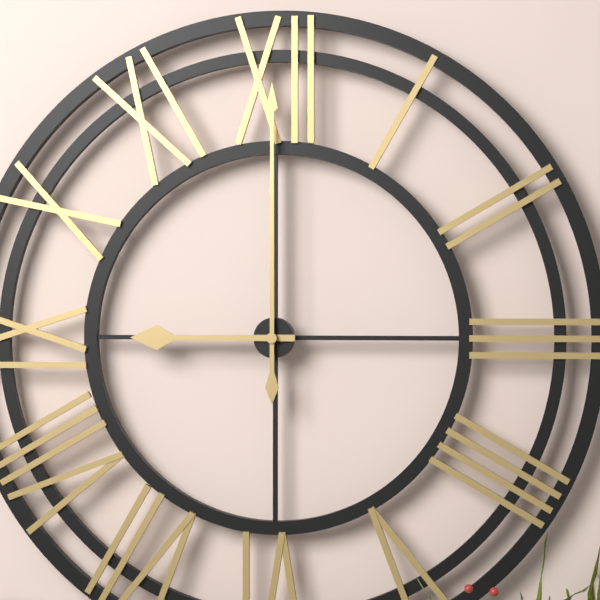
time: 9:00
